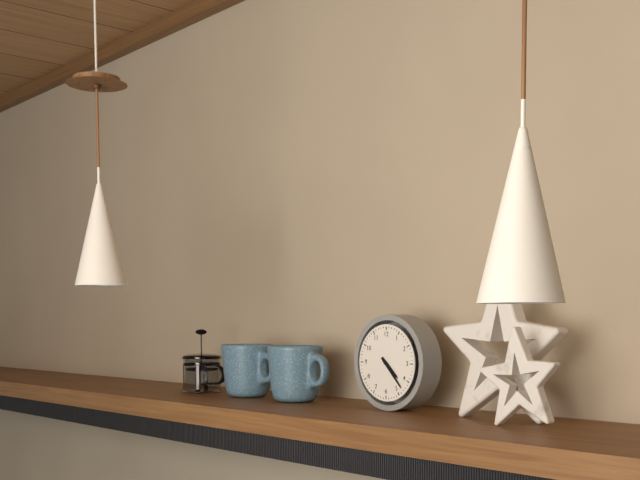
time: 4:23
